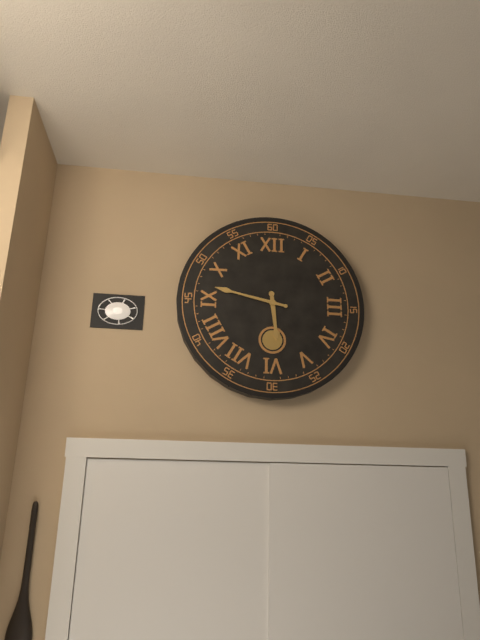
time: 5:47
